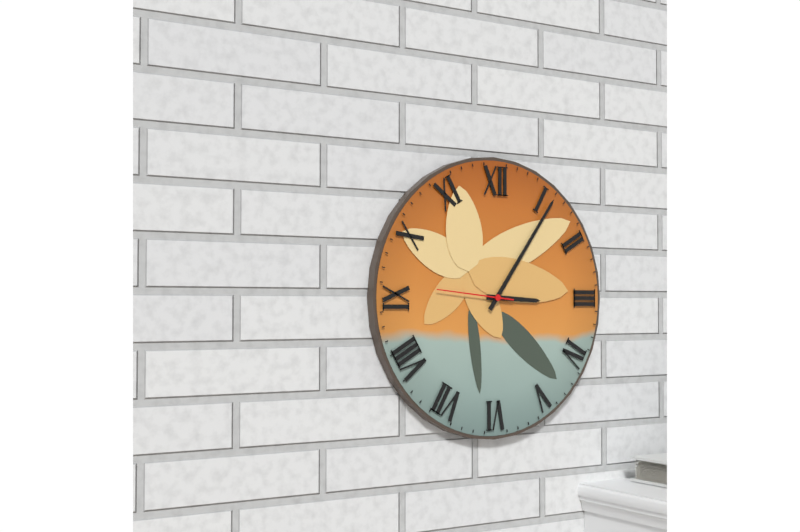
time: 3:06:46
